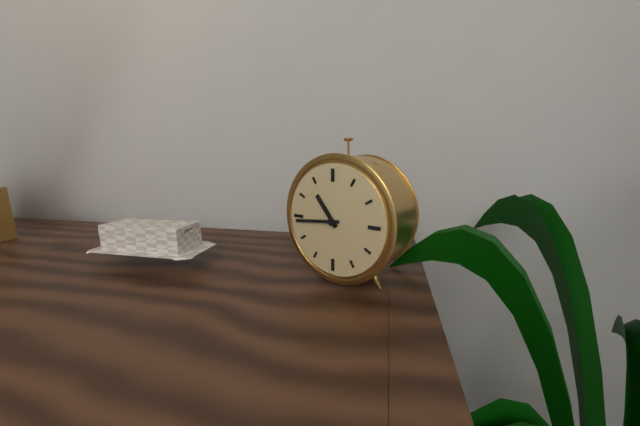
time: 10:44
